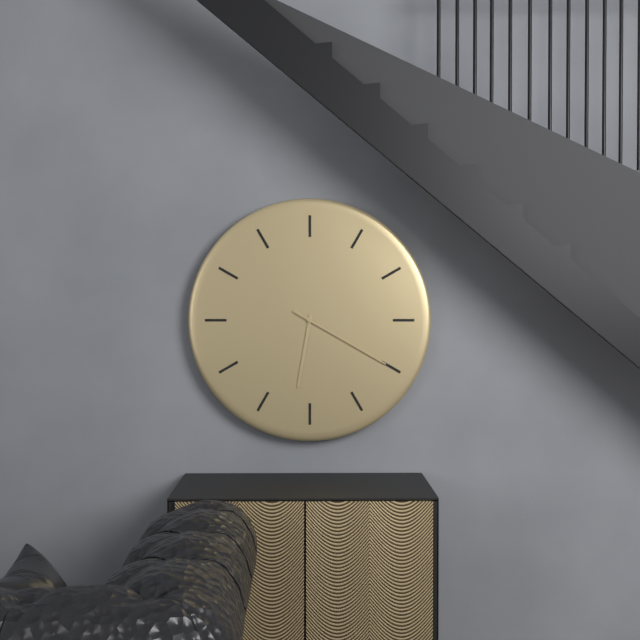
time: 6:20
